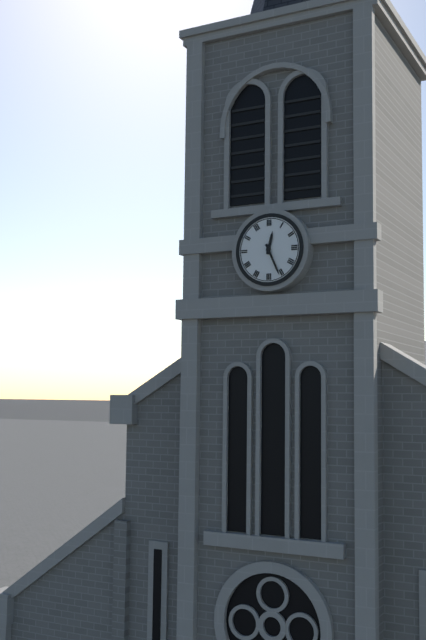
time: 12:26
